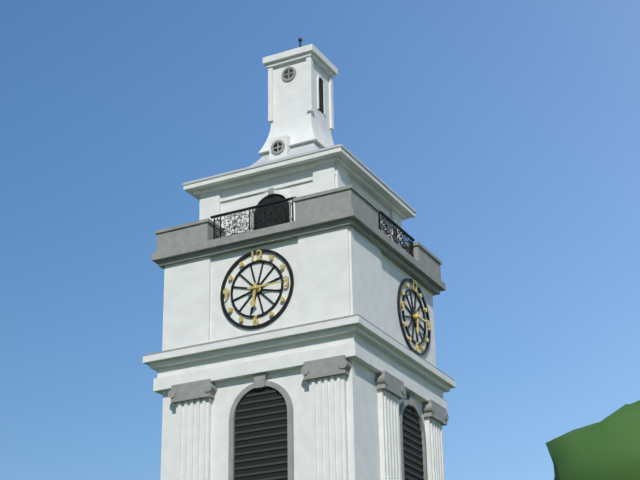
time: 6:15
